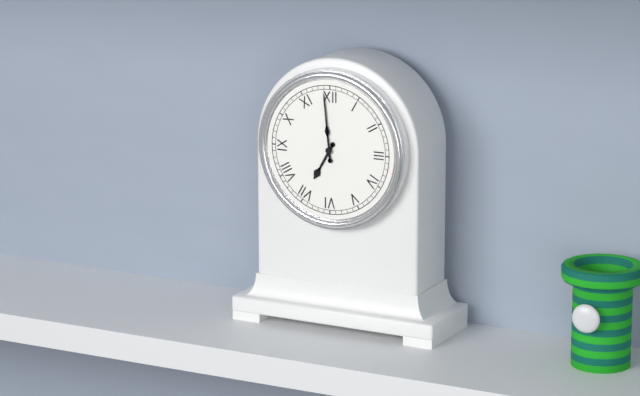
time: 6:59
